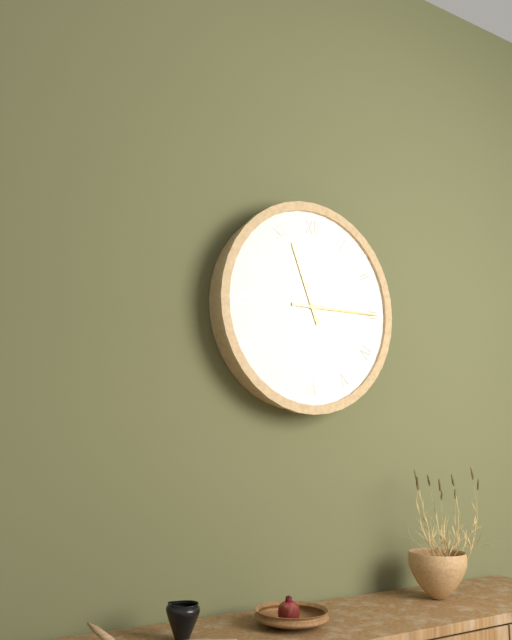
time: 11:15
